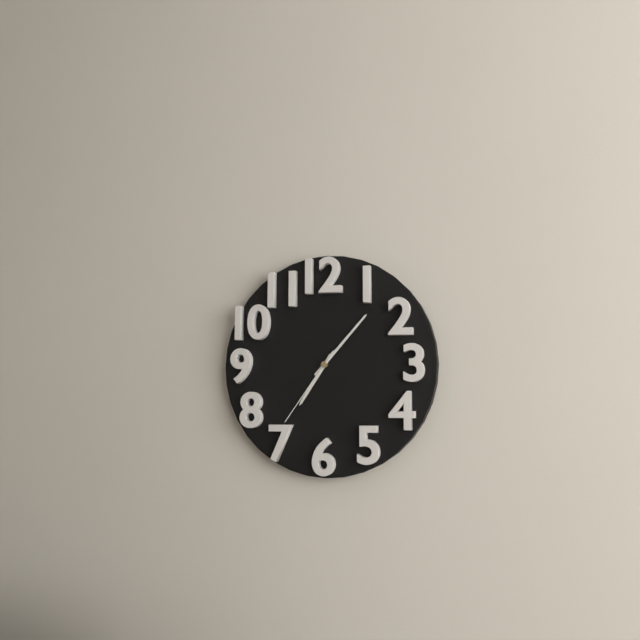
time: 7:07:36
